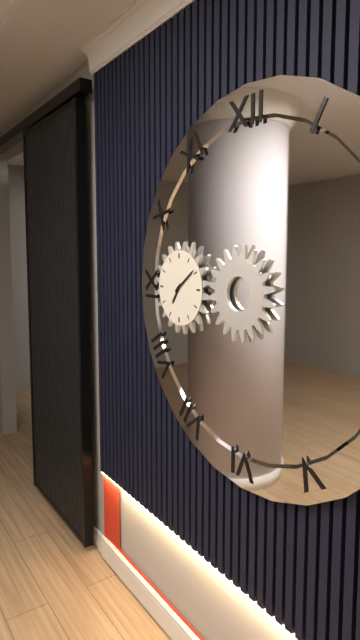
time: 7:09
